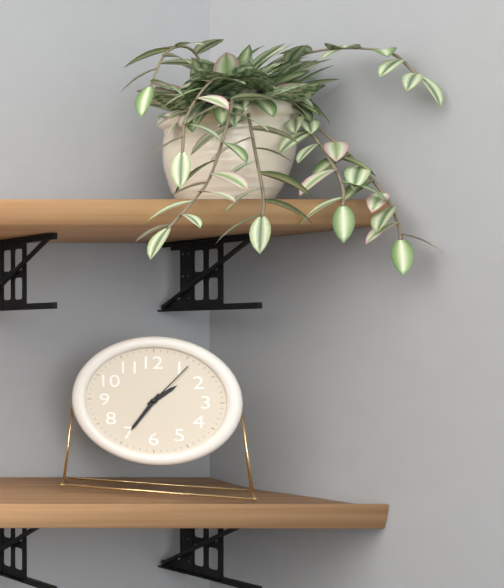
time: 1:35:06
